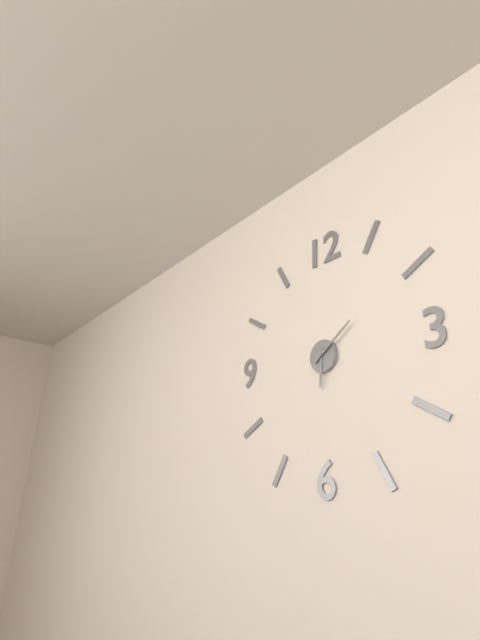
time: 6:09
